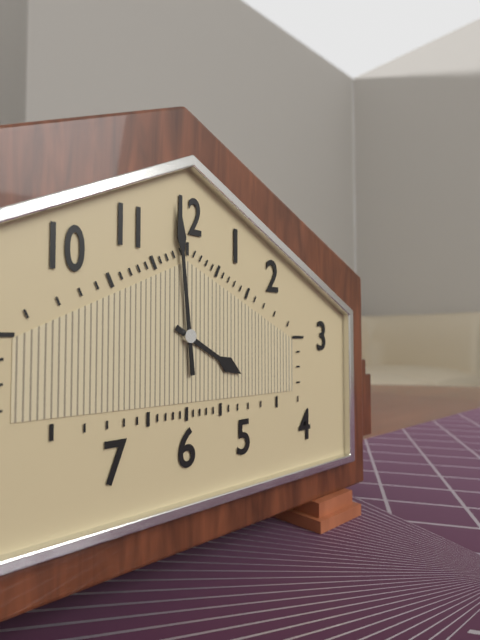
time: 3:59
